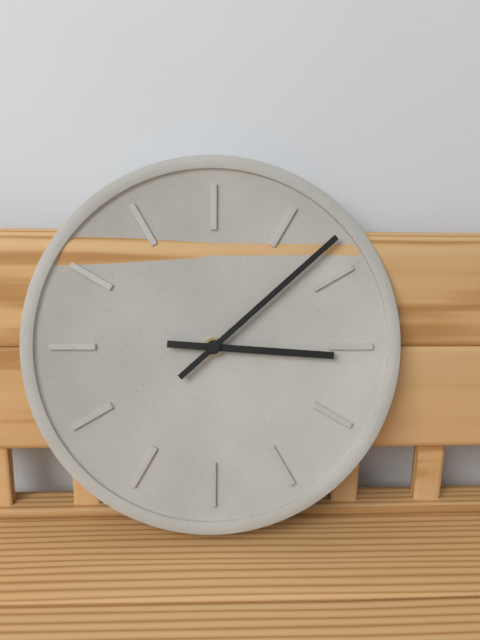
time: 3:08
